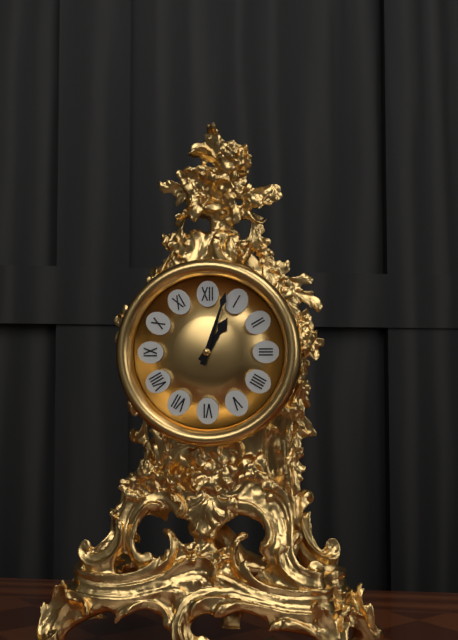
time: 1:03
